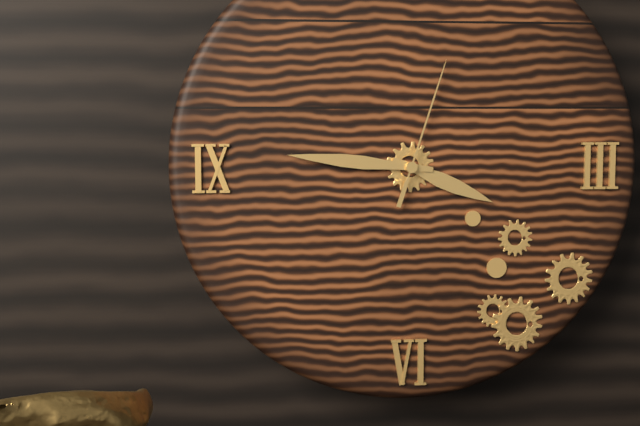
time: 3:46:03
